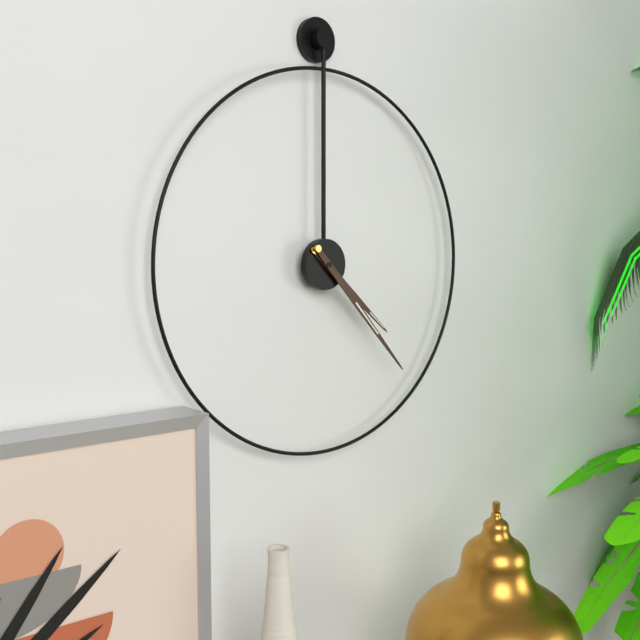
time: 4:23
